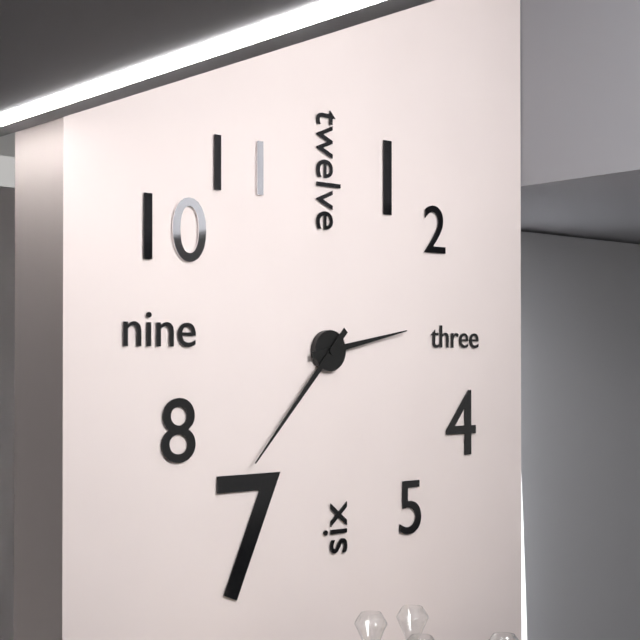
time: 2:37
